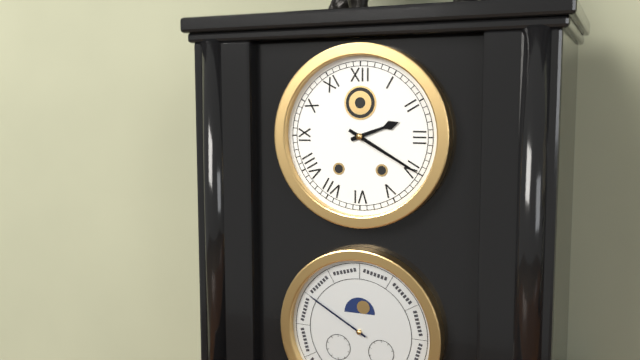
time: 2:20
